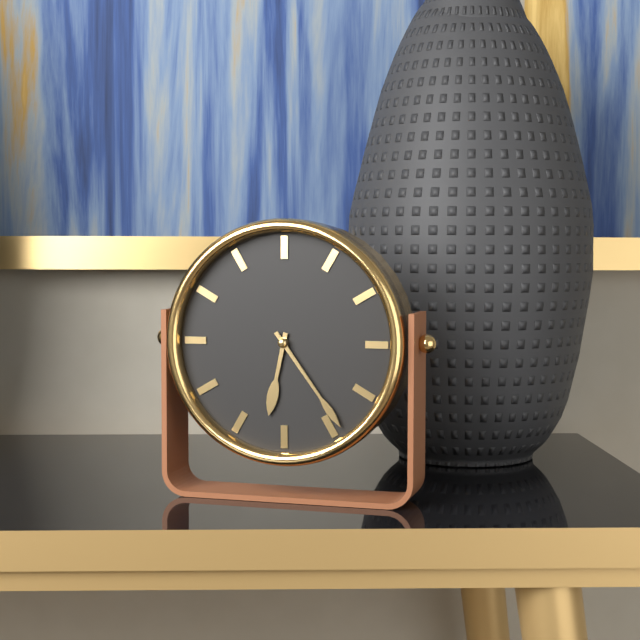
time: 6:24
